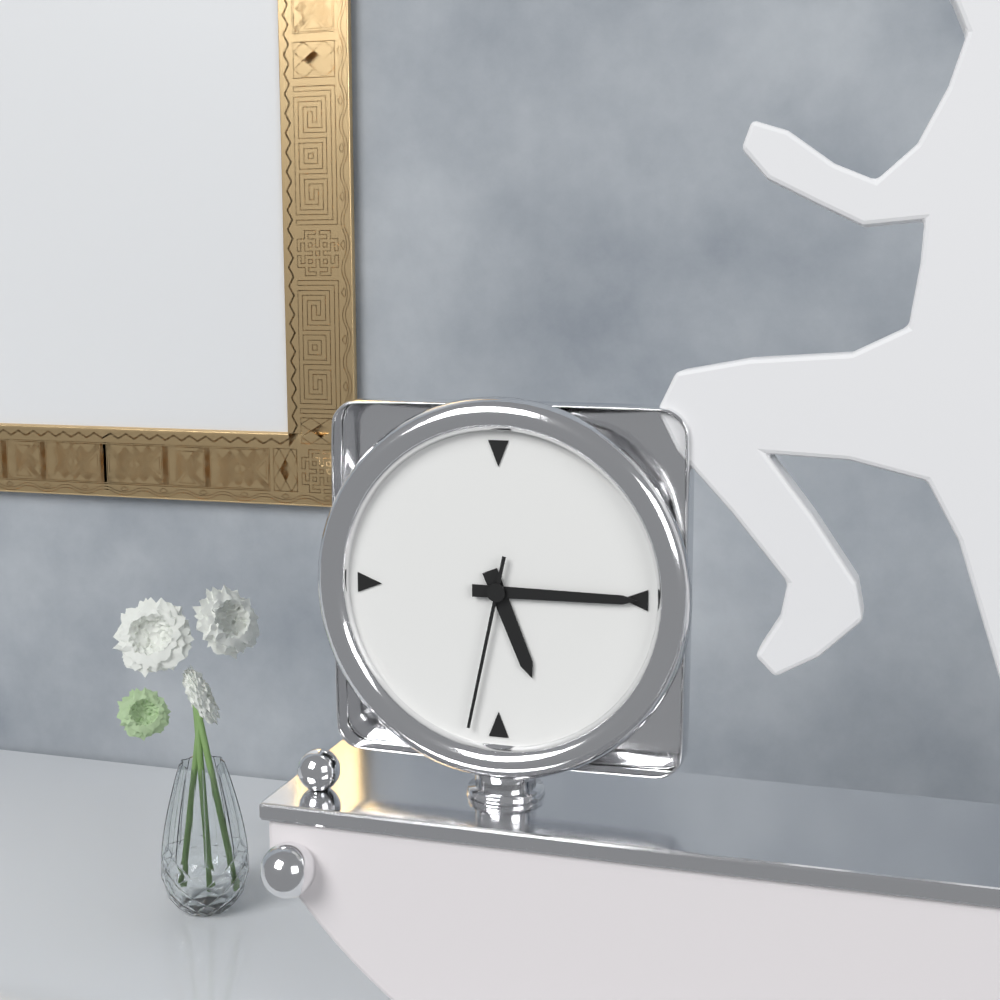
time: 5:15:32
